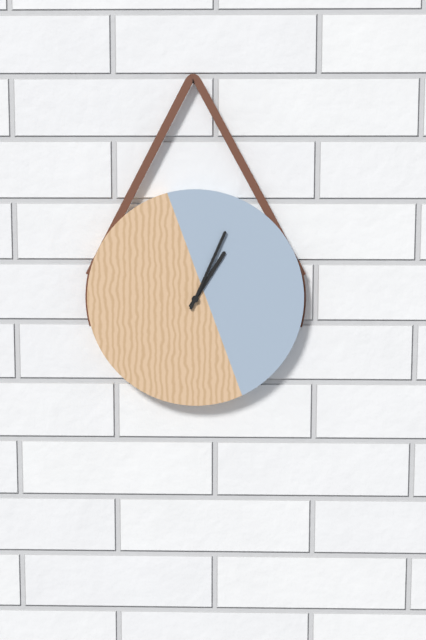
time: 1:04
